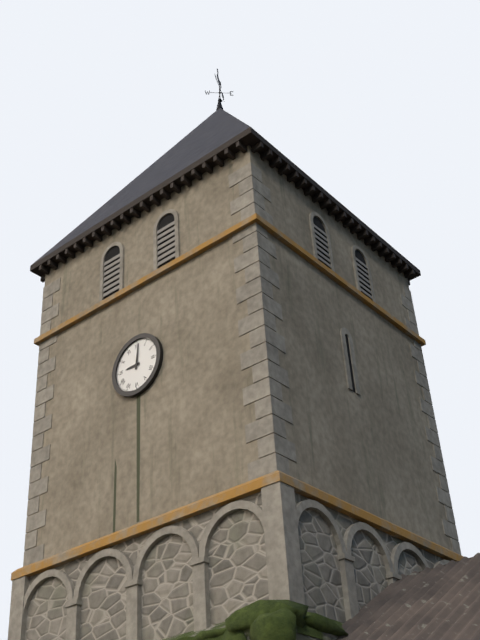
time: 9:01
